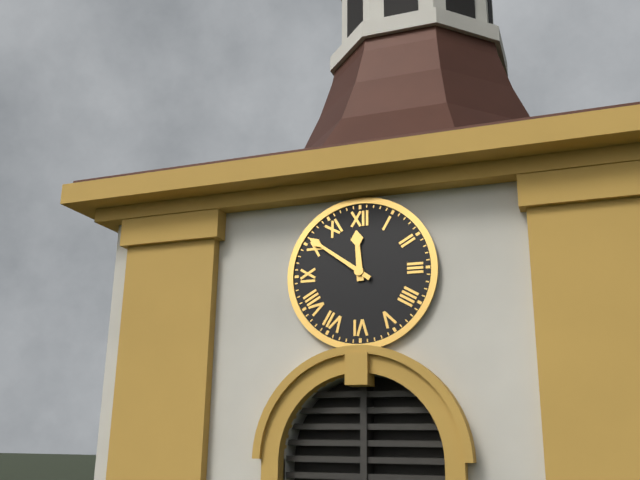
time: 11:51
